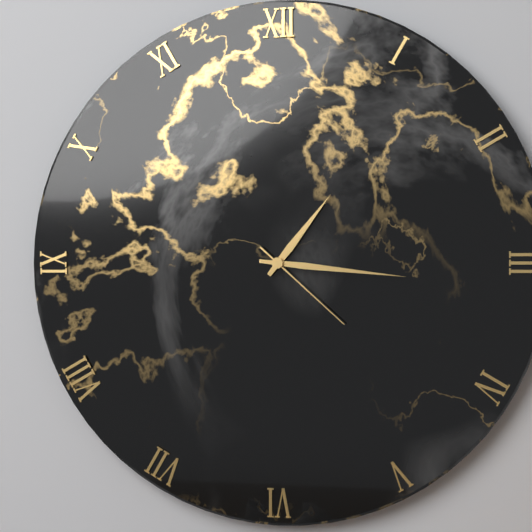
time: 1:16:22
